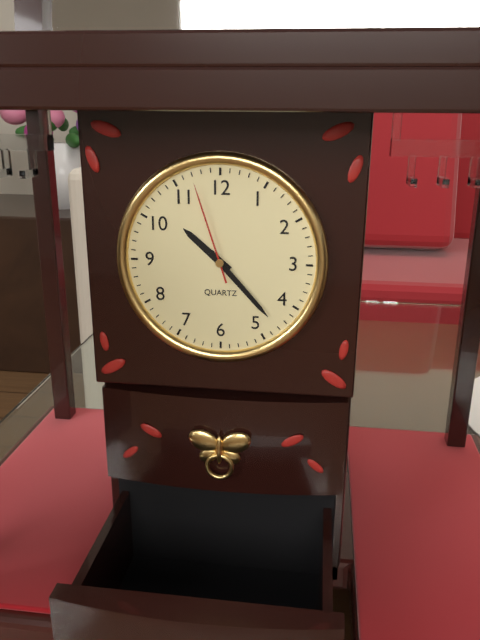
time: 10:23:57
